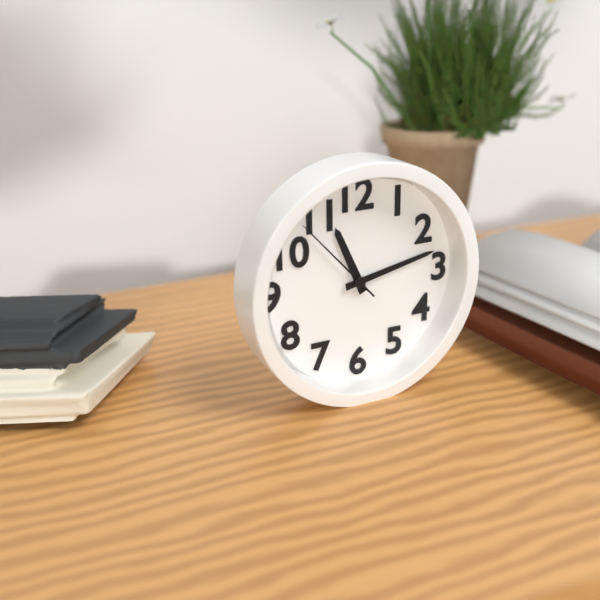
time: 11:13:53
